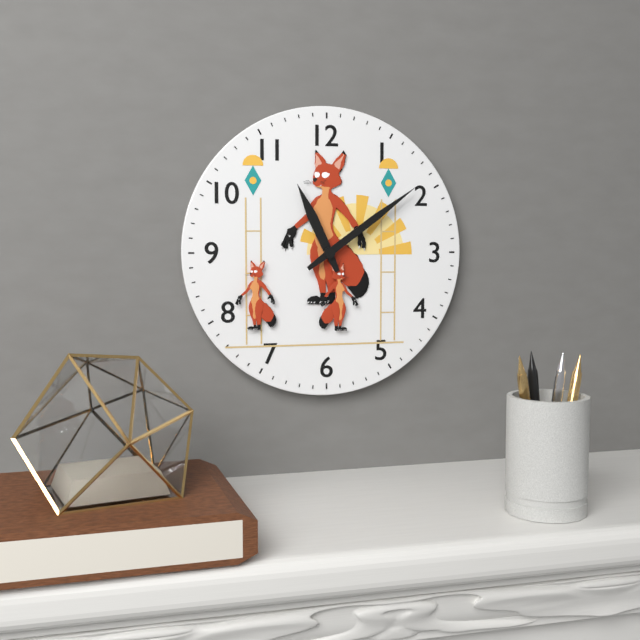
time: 11:09
